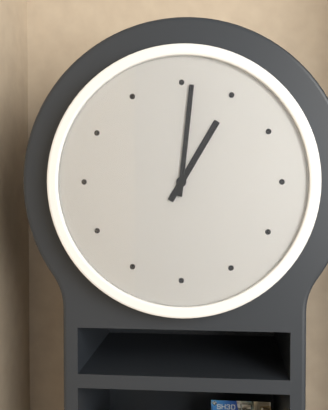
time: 1:01
